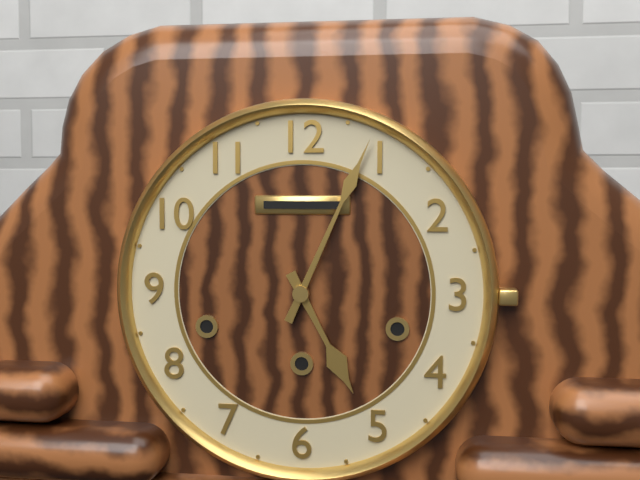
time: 5:04
